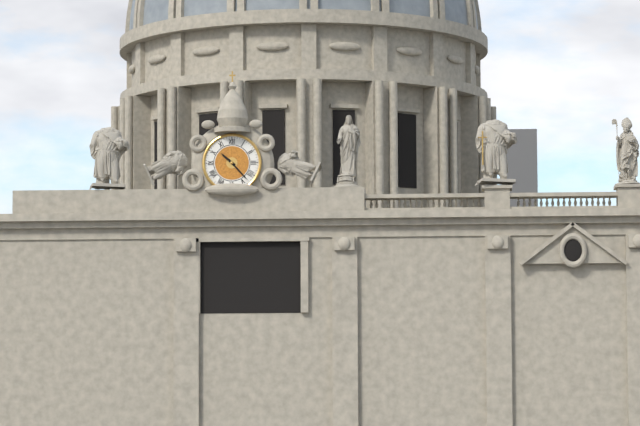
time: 10:23
